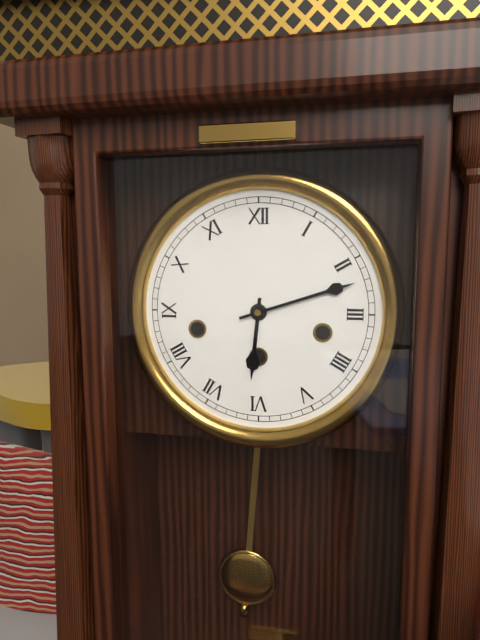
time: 6:12
